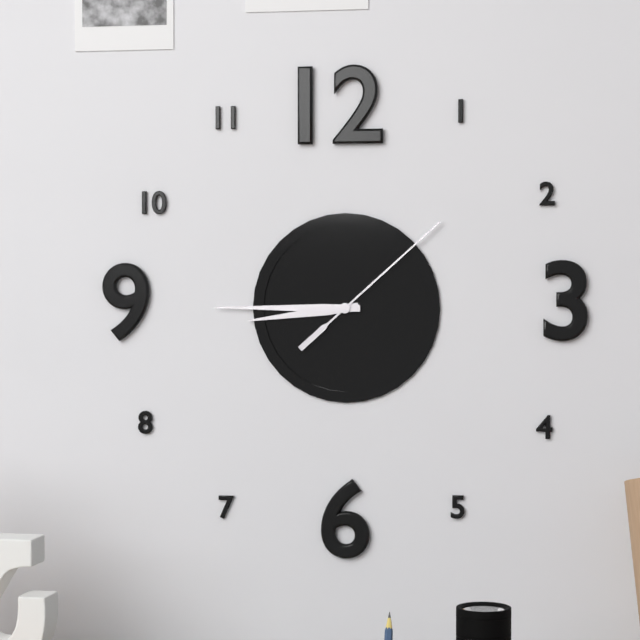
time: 8:45:08
